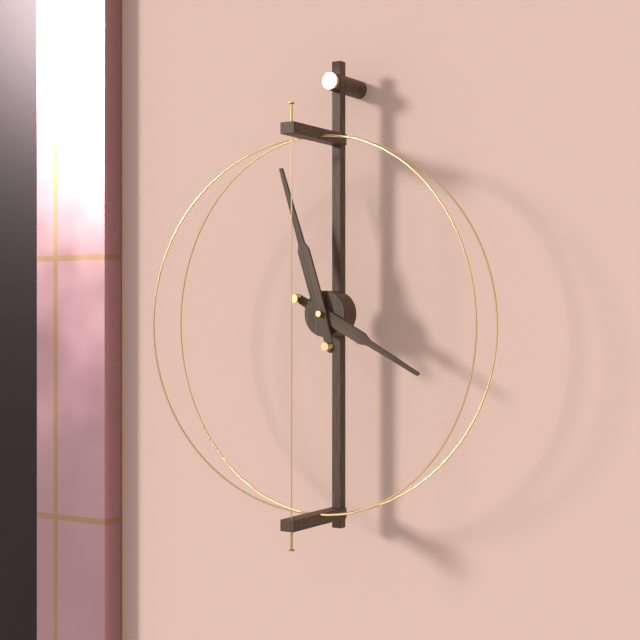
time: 3:57
